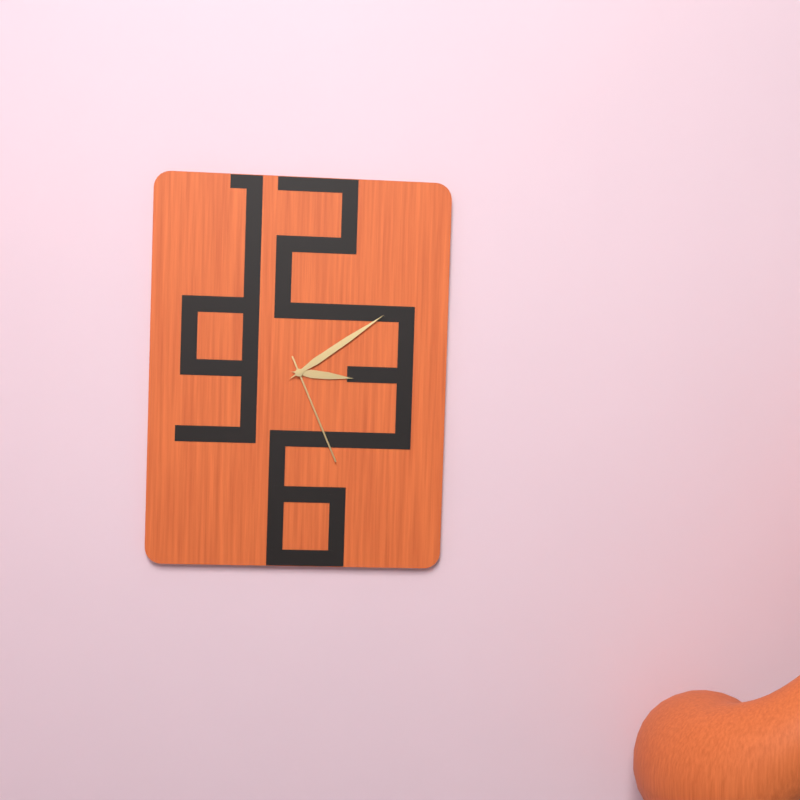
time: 3:09:26
